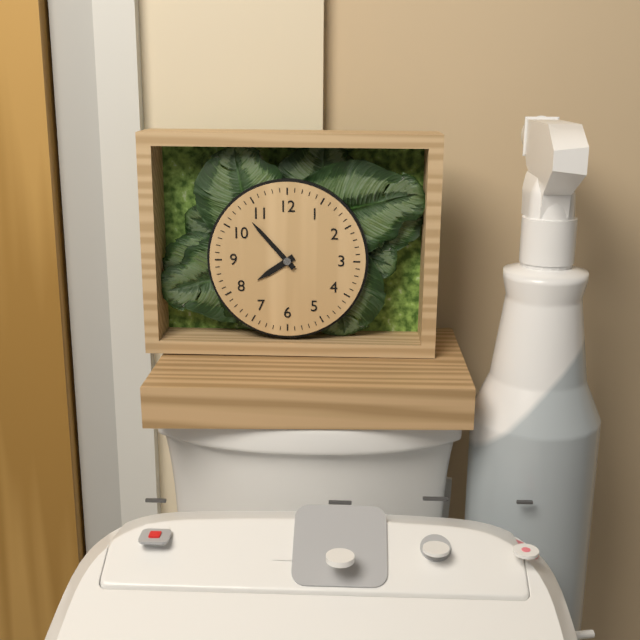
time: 7:53
